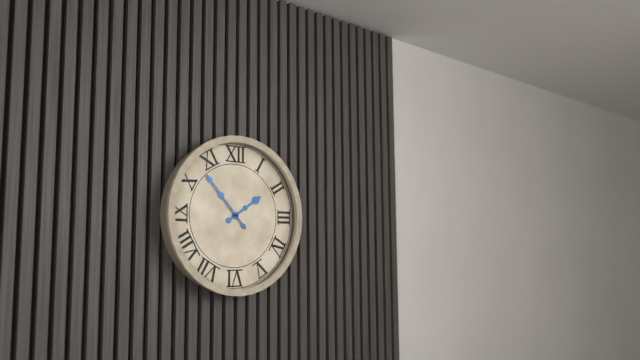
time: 1:53
